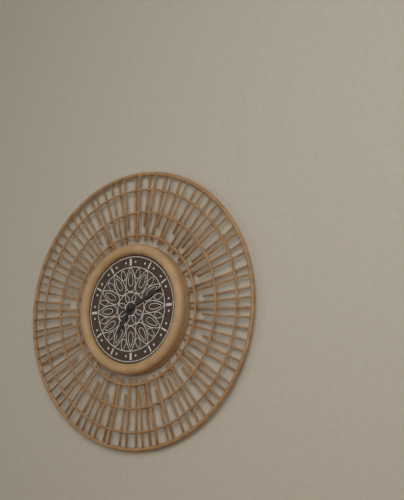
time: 7:11
